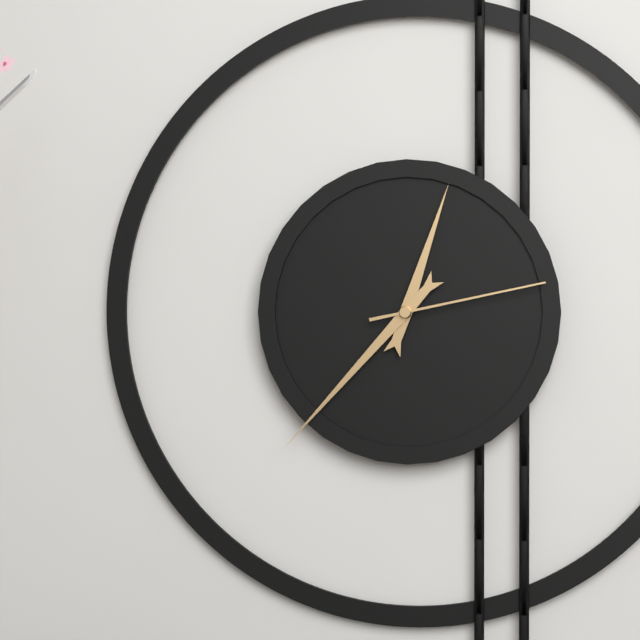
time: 12:37:13
